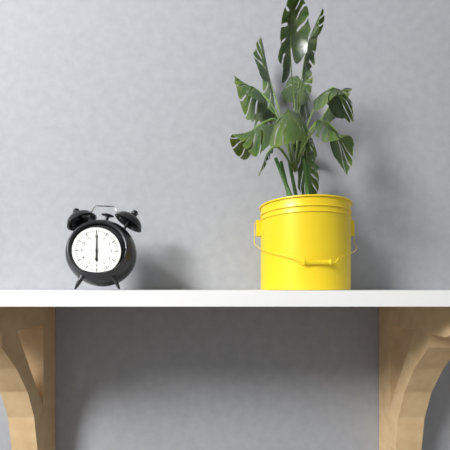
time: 6:00
